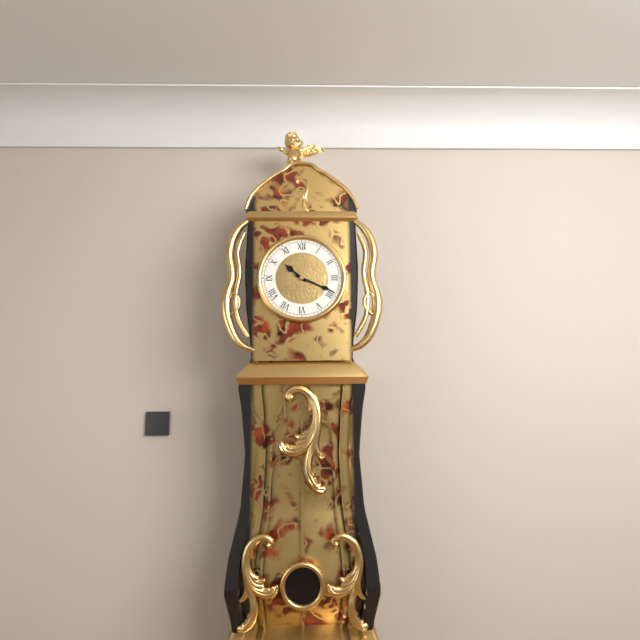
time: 10:19
